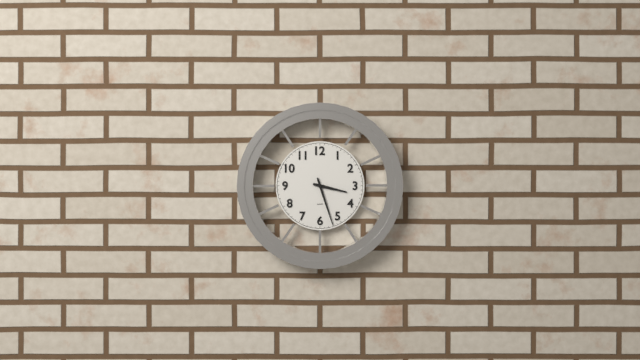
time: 3:27
